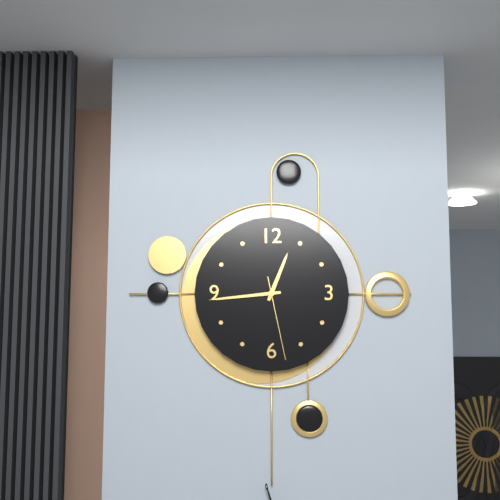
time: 12:44:28
